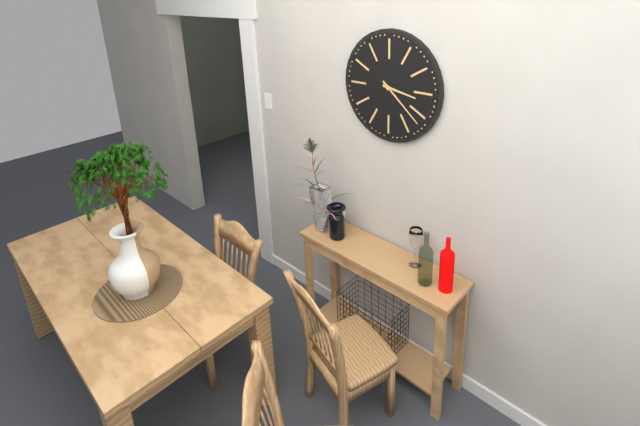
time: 3:22
